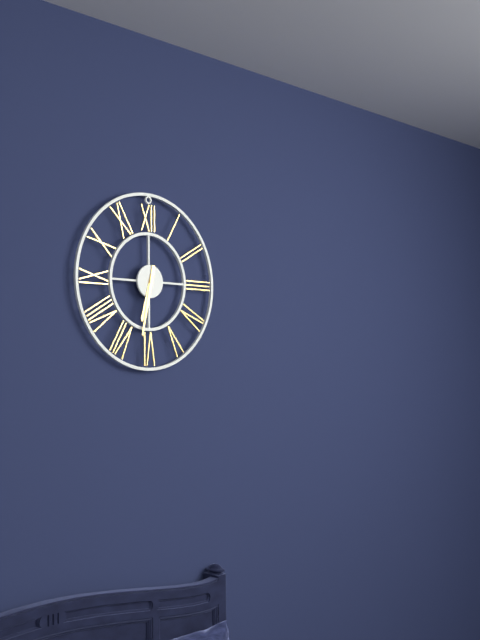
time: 6:32
